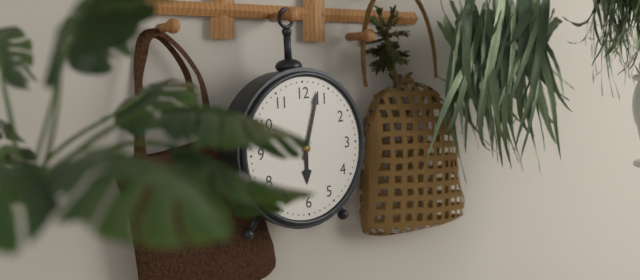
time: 6:03
